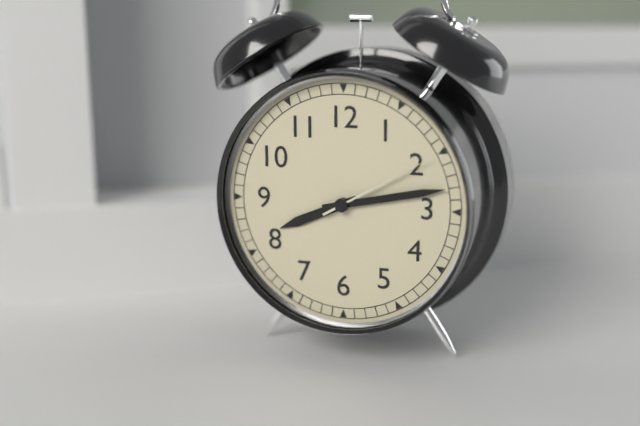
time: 8:13:10
